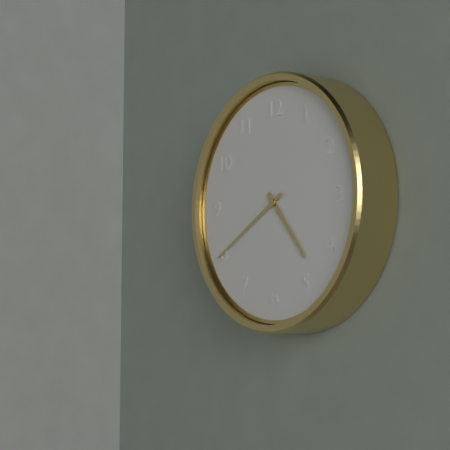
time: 4:40
